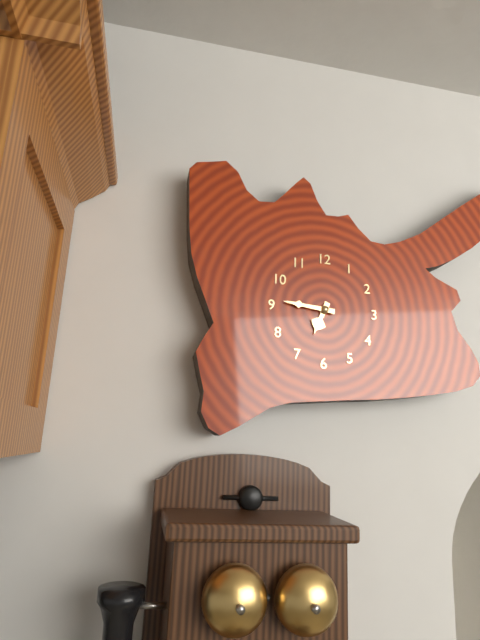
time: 6:46
